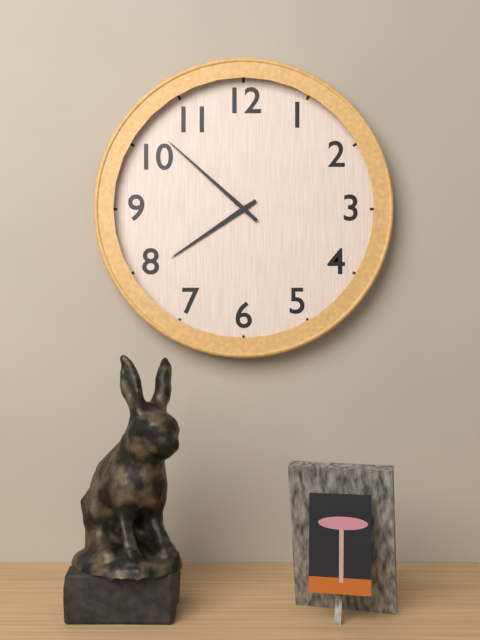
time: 7:52
